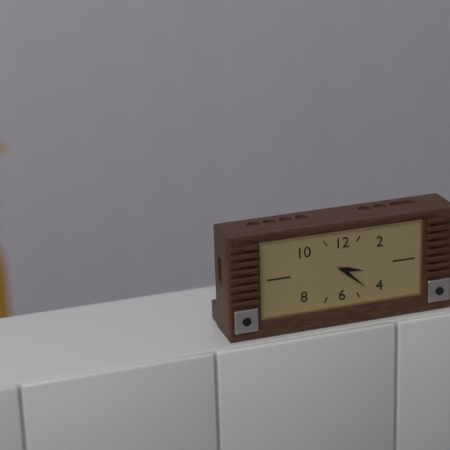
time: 3:22
